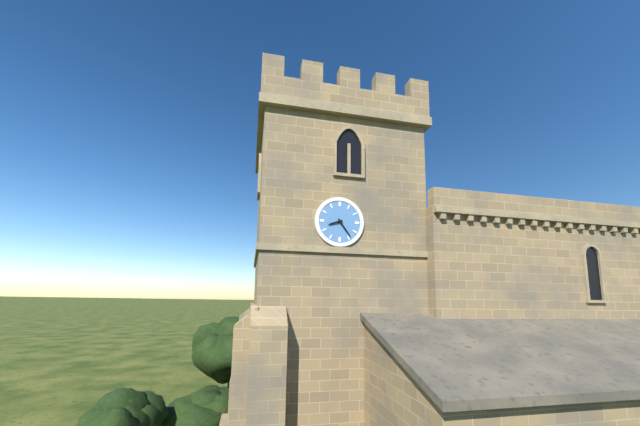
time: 8:24
